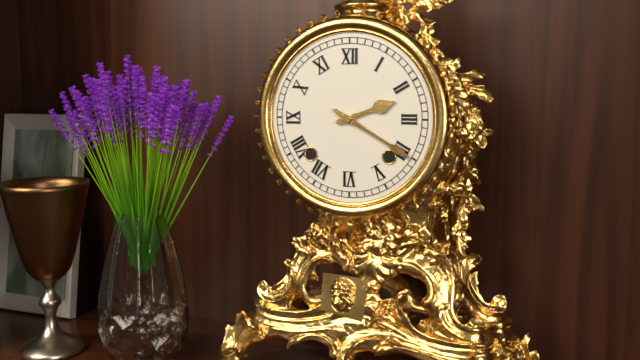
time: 2:20
